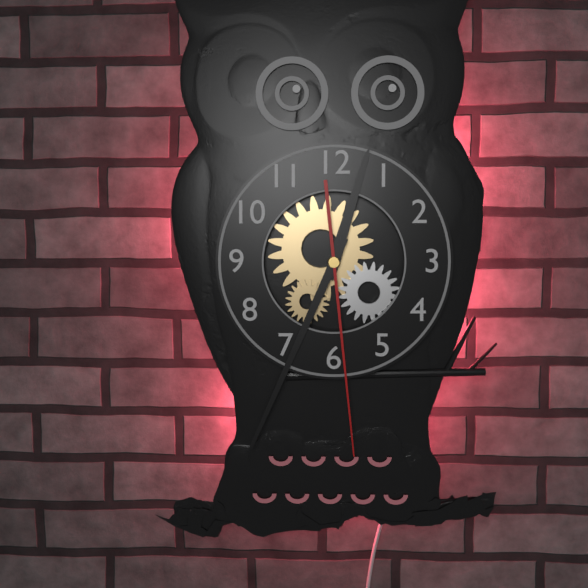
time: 12:34:29
